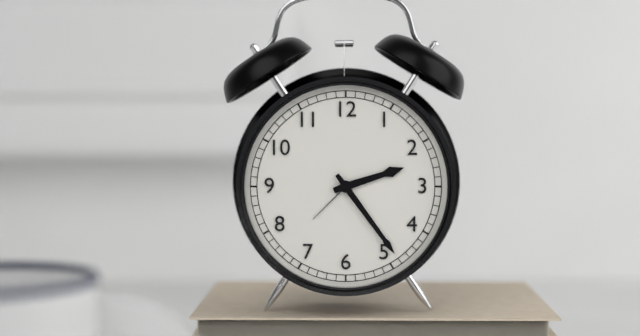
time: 2:24
